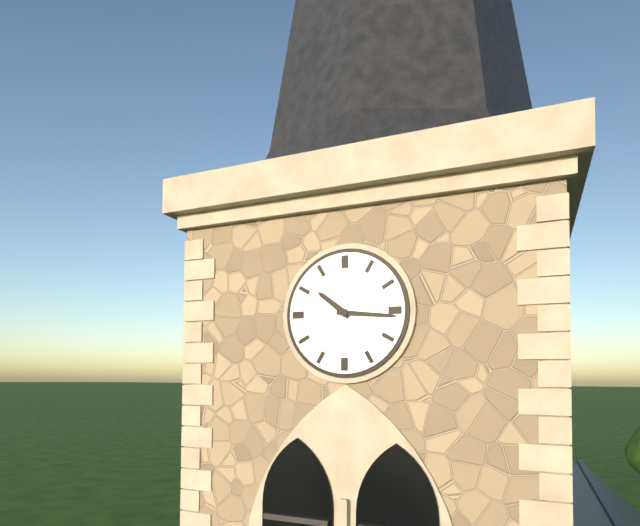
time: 10:16
